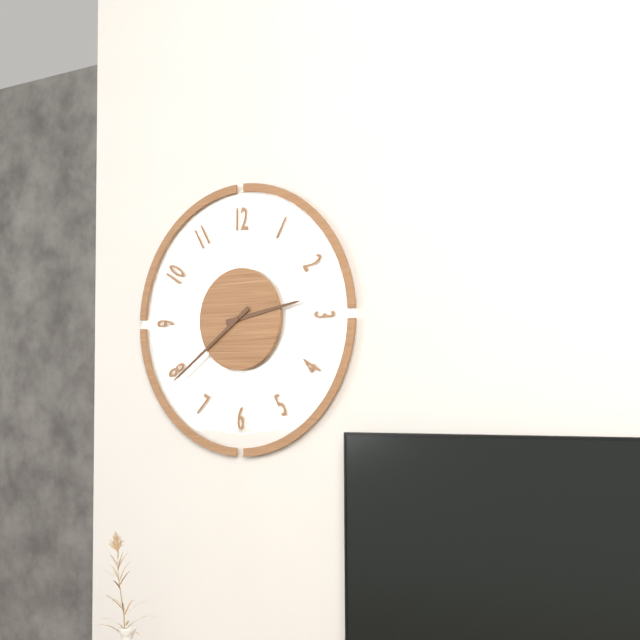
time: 2:39
